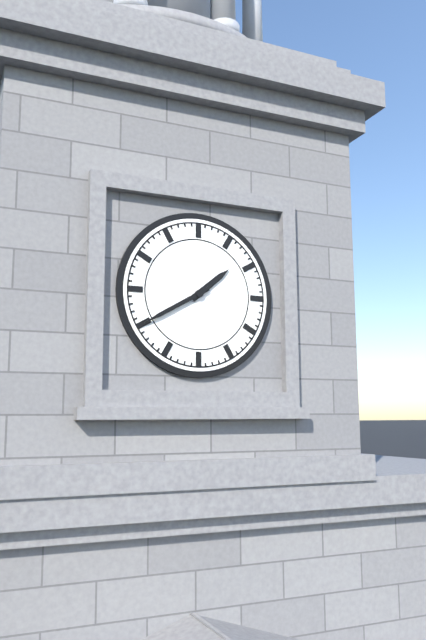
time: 1:40
